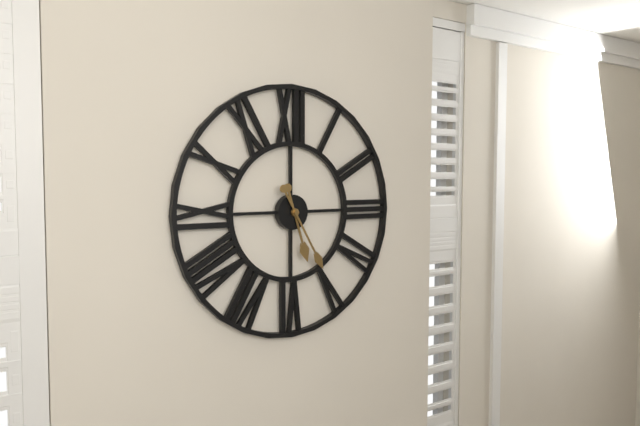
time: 5:25
